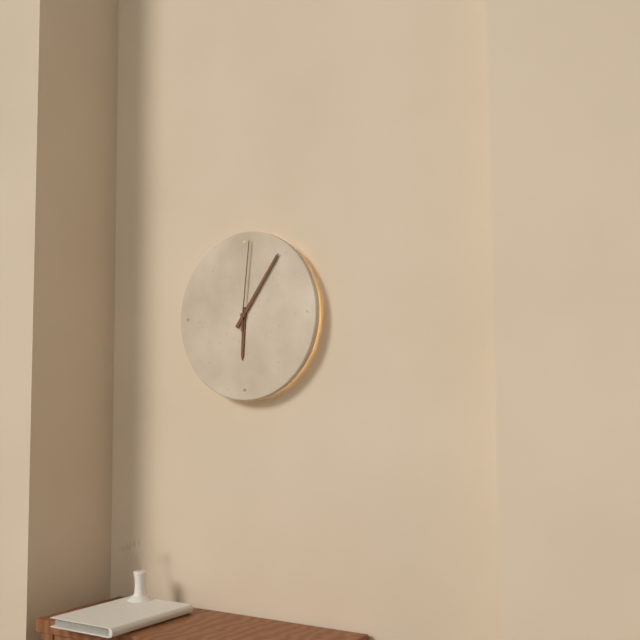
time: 6:06:01
